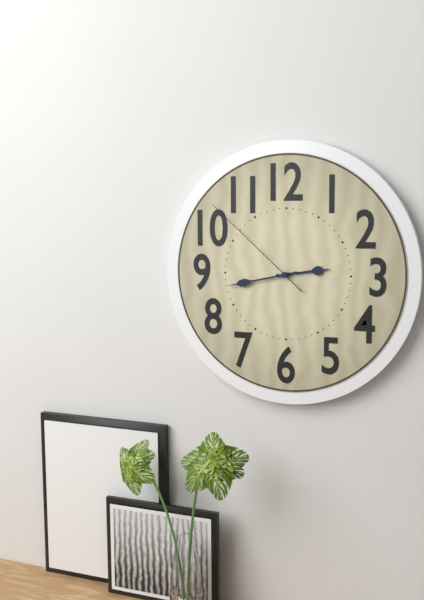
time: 2:43:52
